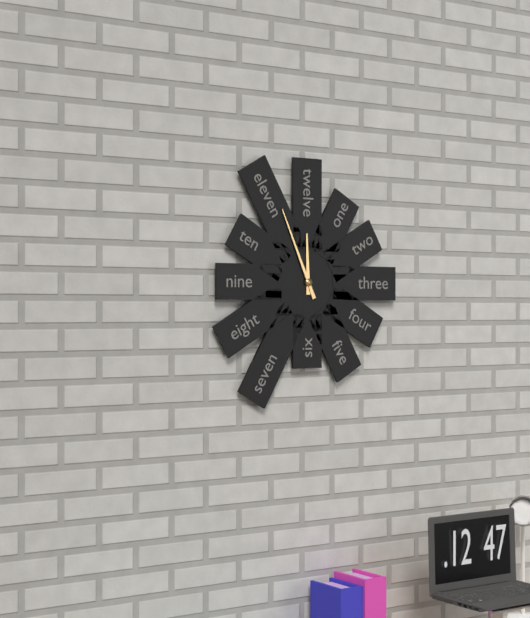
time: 11:56
